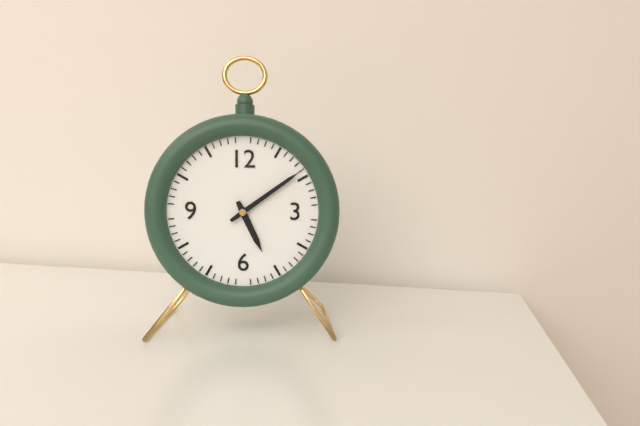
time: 5:09
